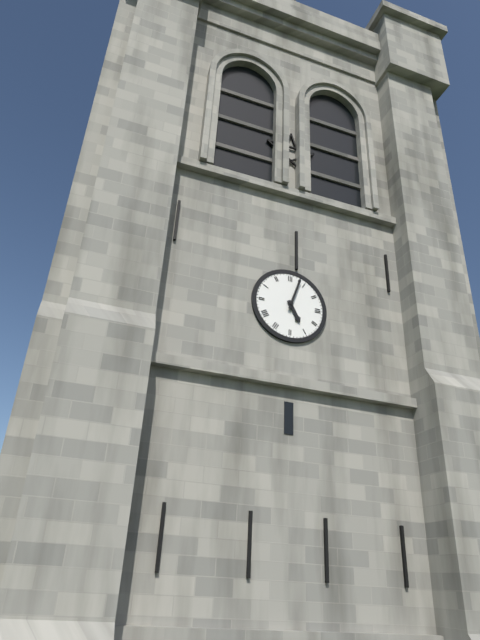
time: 5:03
